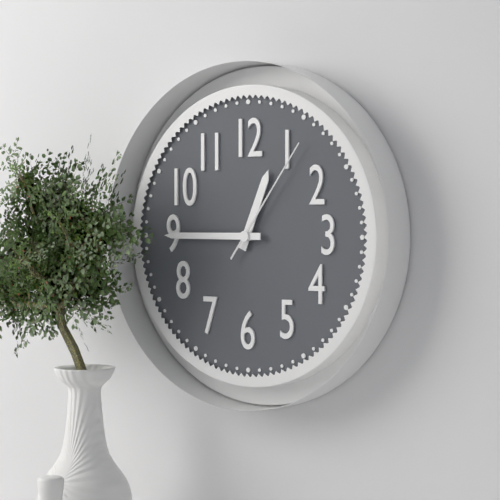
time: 12:45:06
